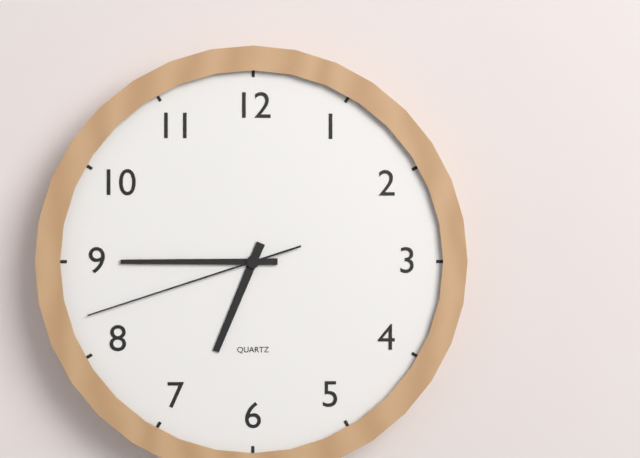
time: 6:45:42
